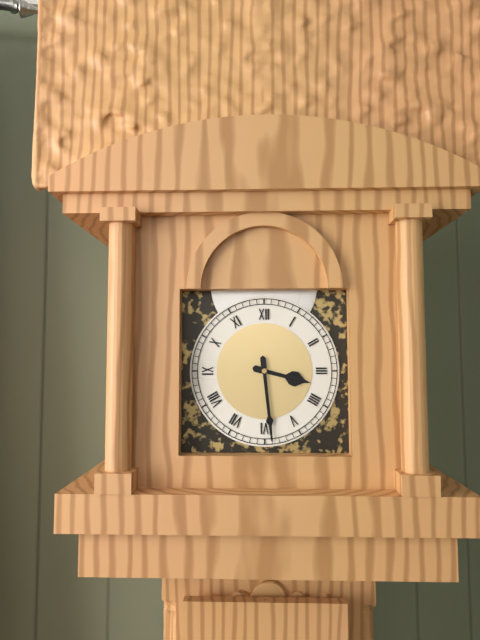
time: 3:29
